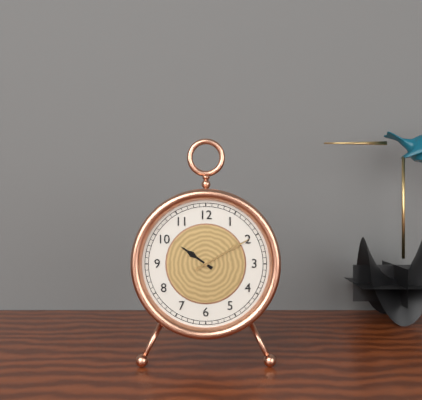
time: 10:10
